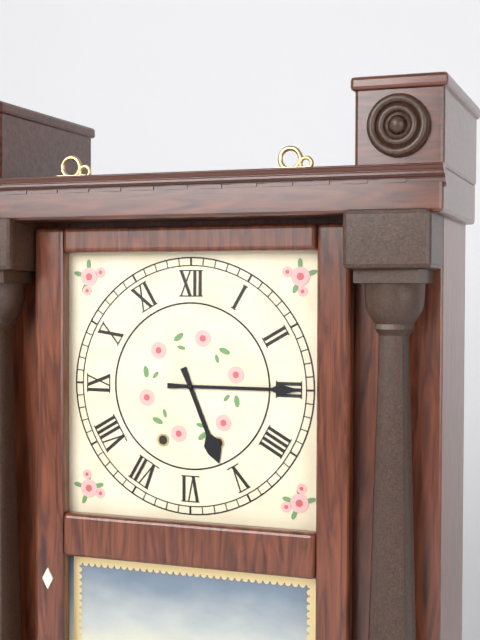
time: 5:15
